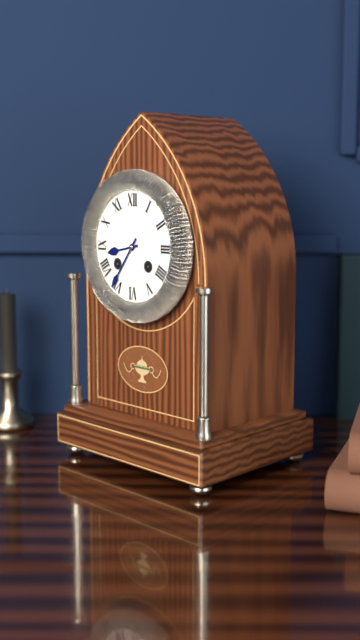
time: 8:36
